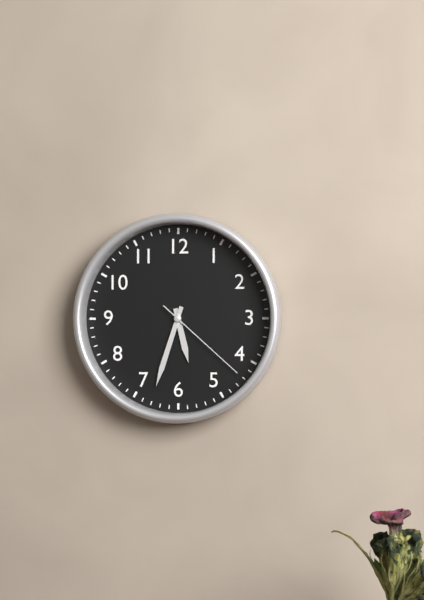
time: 5:33:22
